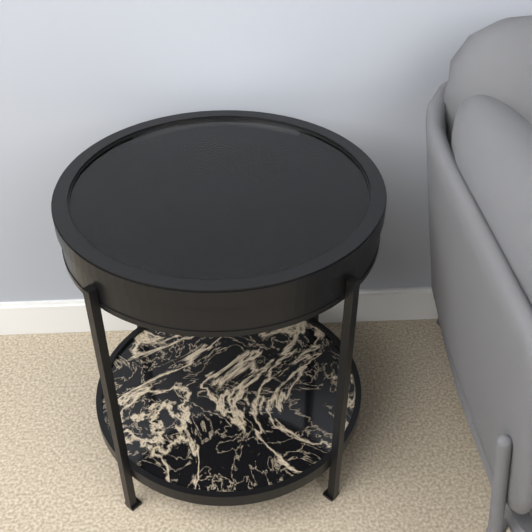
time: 2:20
